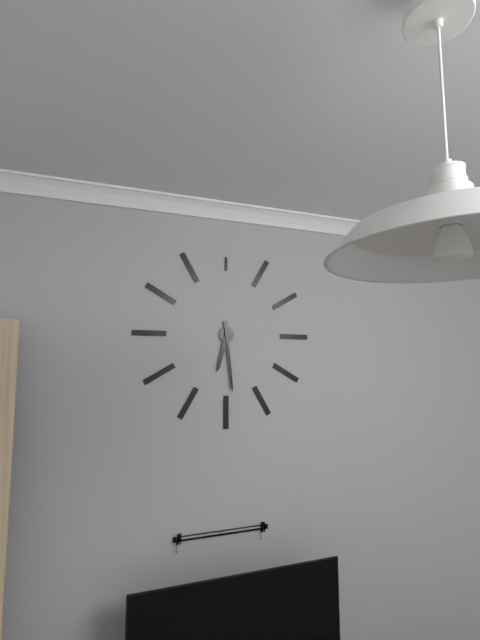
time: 6:29
